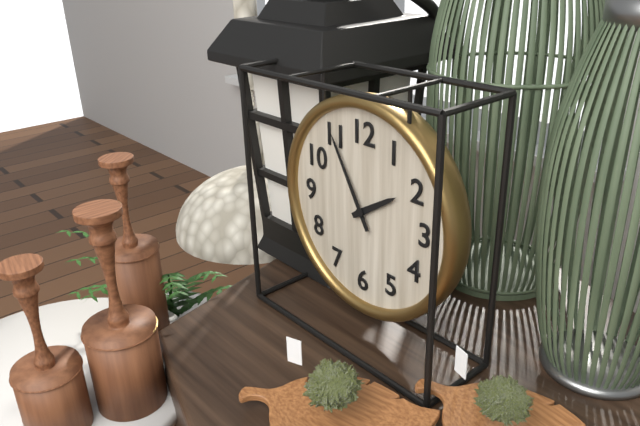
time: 1:55
